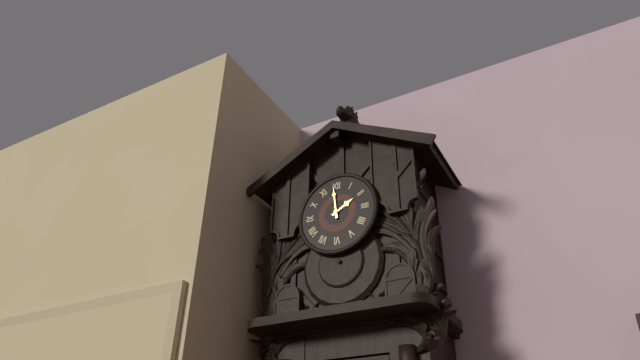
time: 1:59
